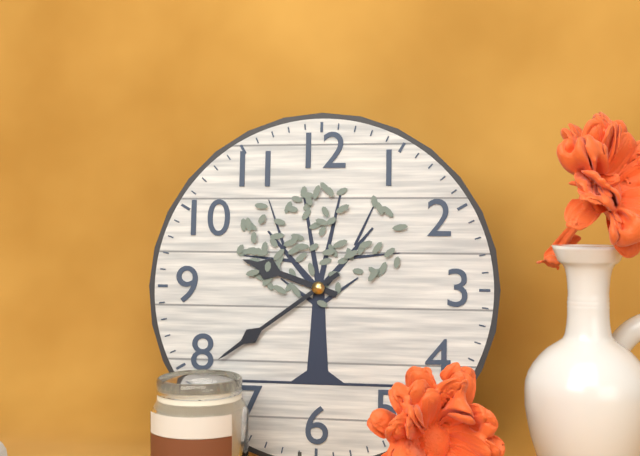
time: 9:39
